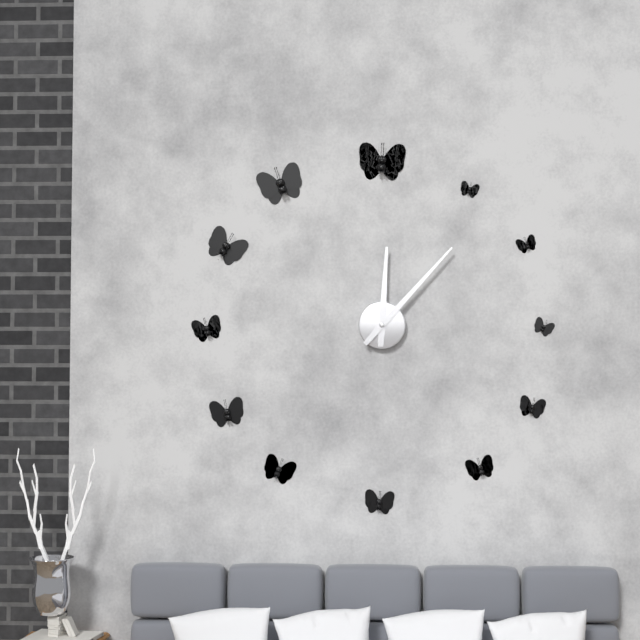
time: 12:07
